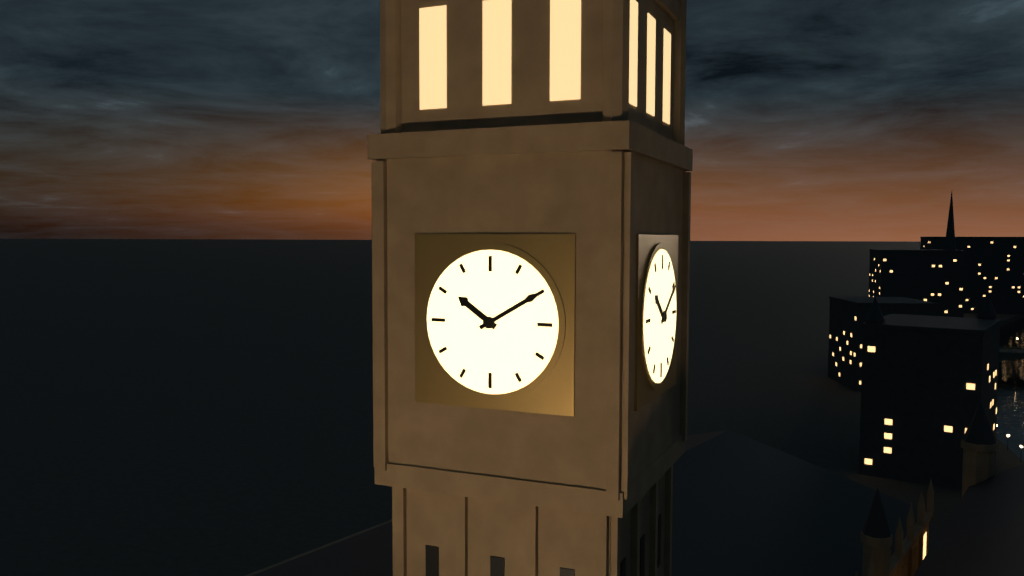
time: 10:10
